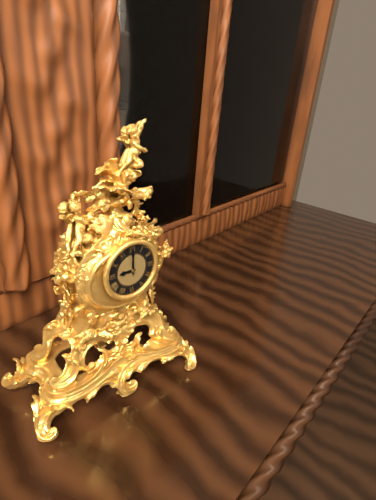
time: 9:00
